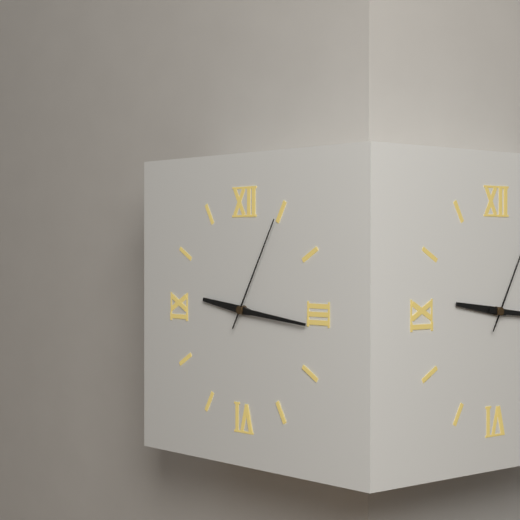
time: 9:16:05
